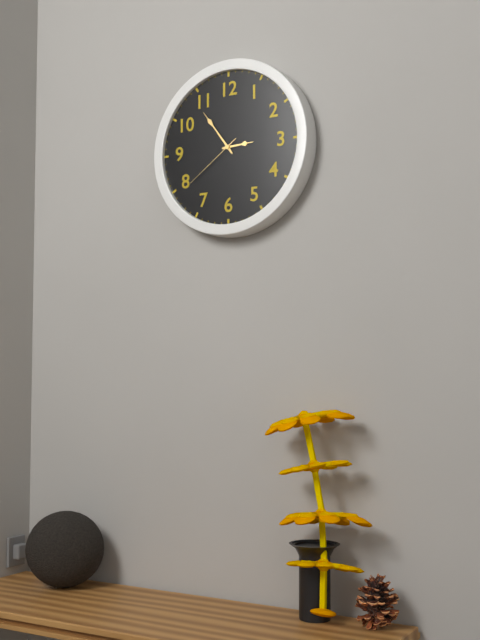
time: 2:54:39
